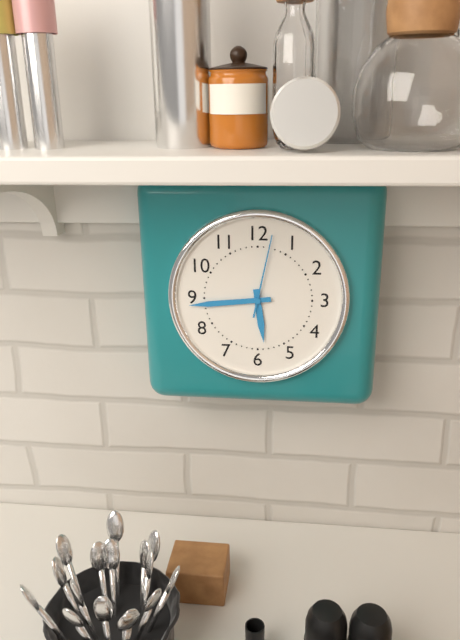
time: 5:44:02
